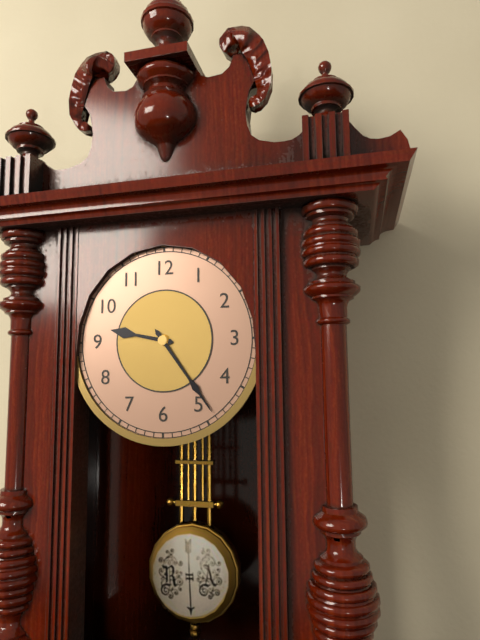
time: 9:24
